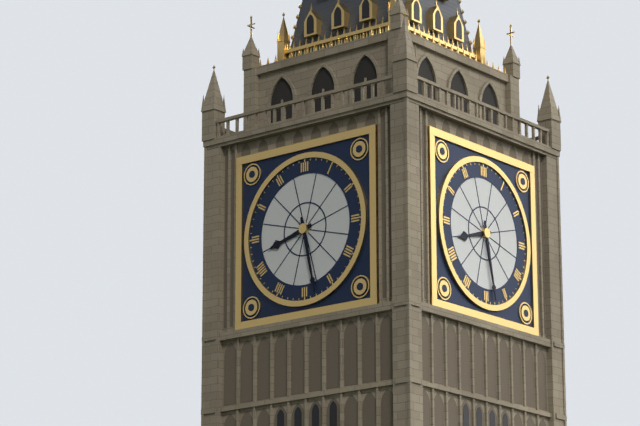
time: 8:28
